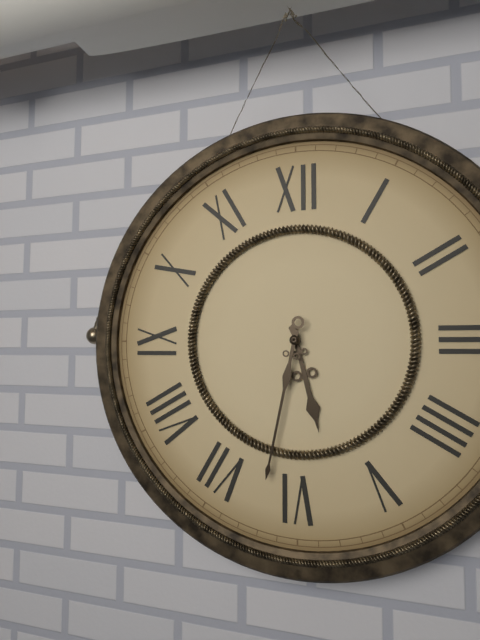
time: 5:32
